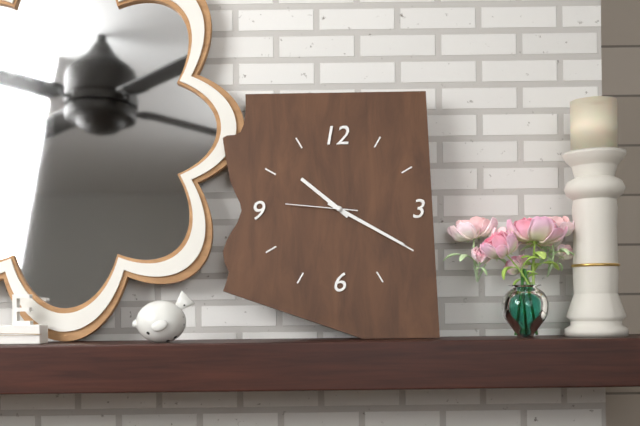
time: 10:20:46
